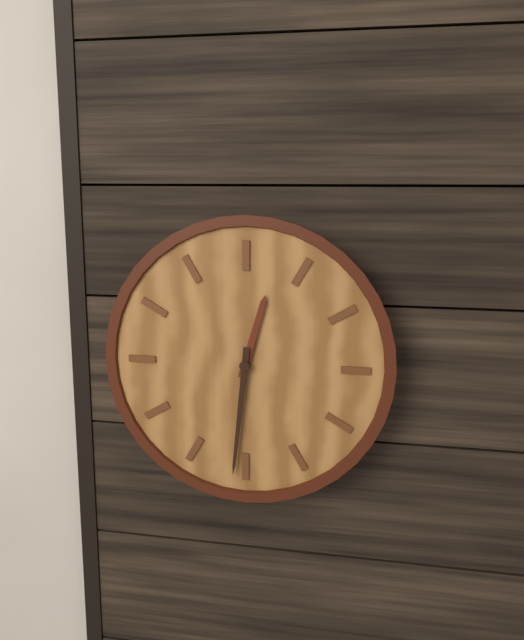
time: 12:31
